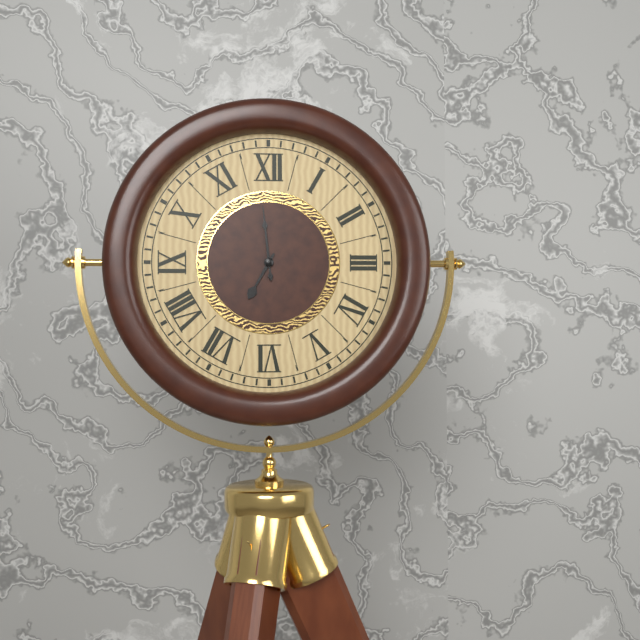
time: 6:59
